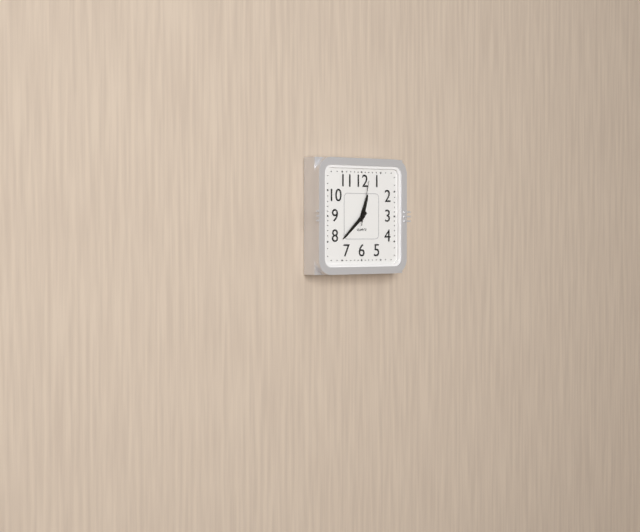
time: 12:38:02
